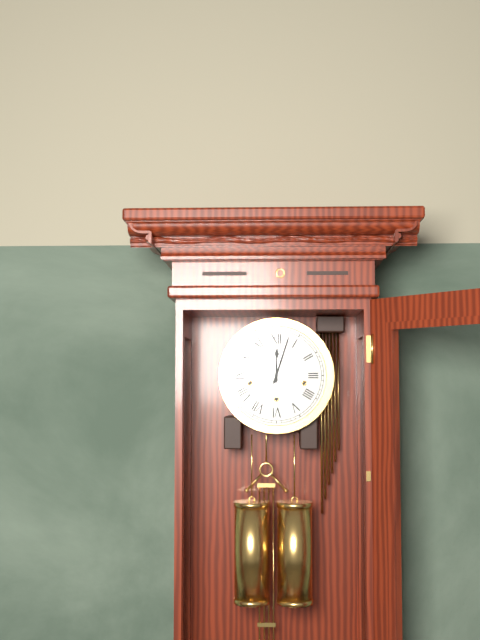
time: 12:03
